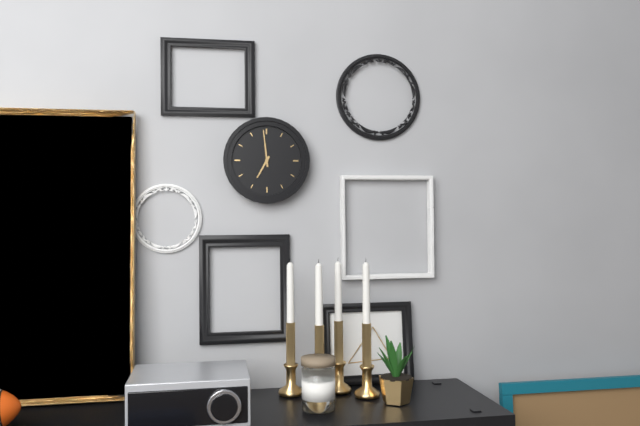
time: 6:59
